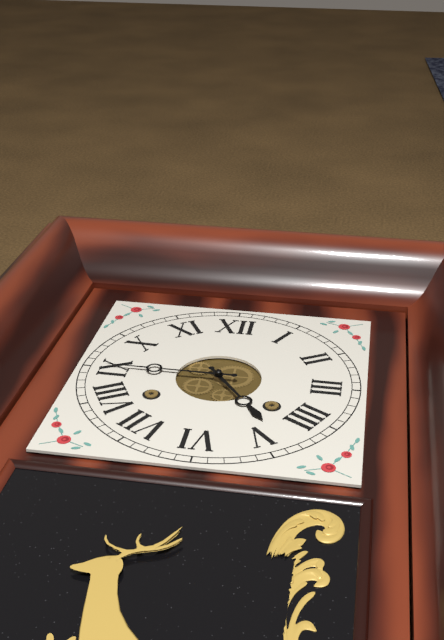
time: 4:45
